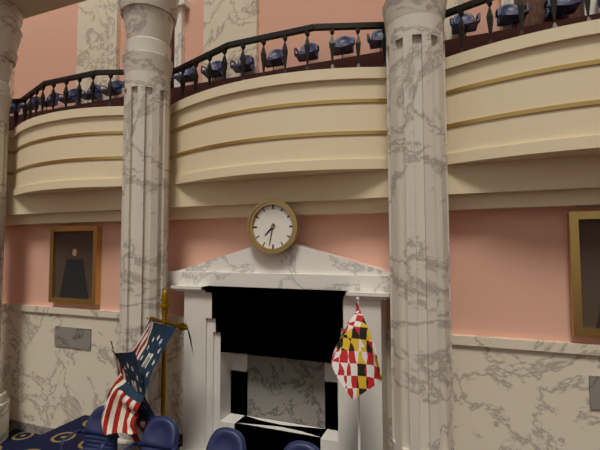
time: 7:32
